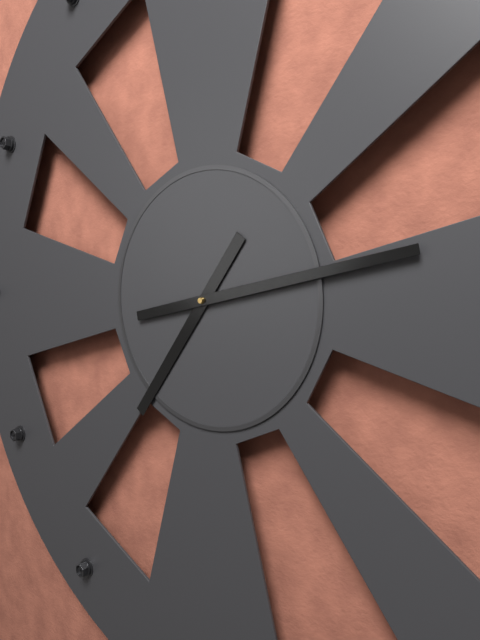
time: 7:13
